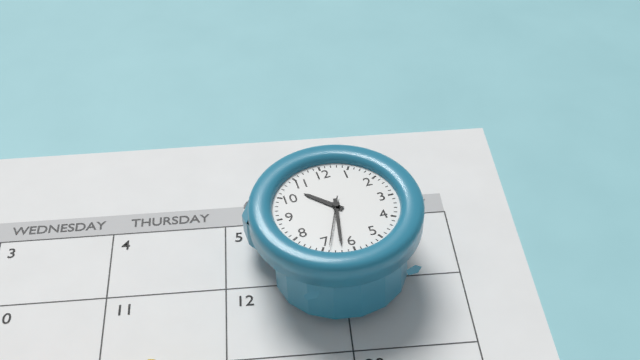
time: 10:32:34
